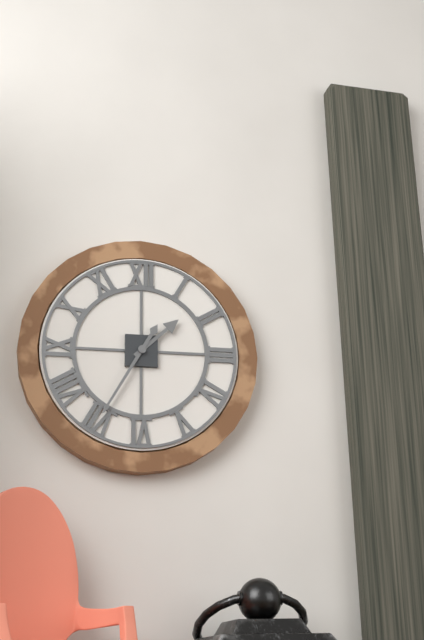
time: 1:35
